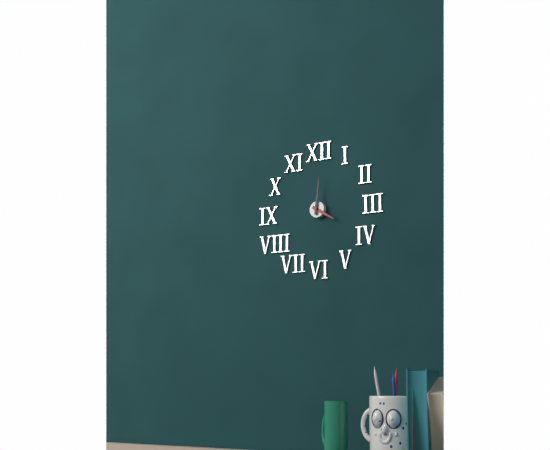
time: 4:01
